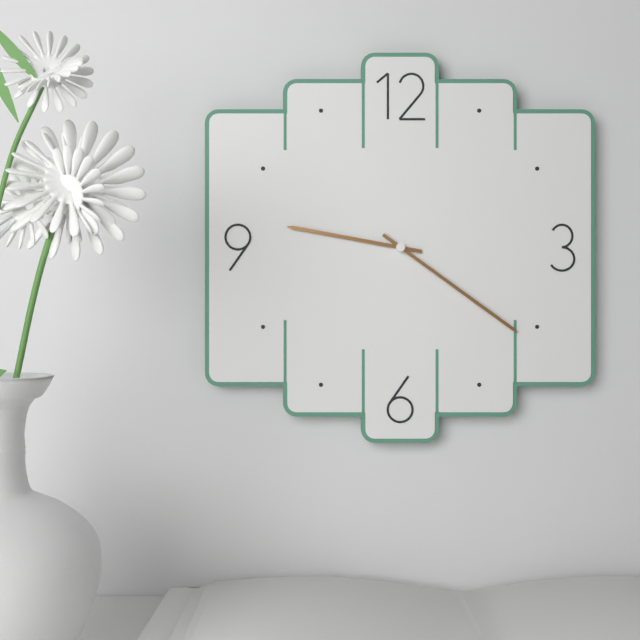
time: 9:21
